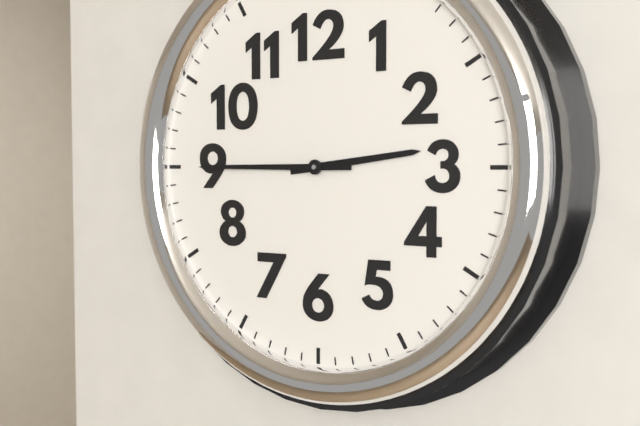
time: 2:45
